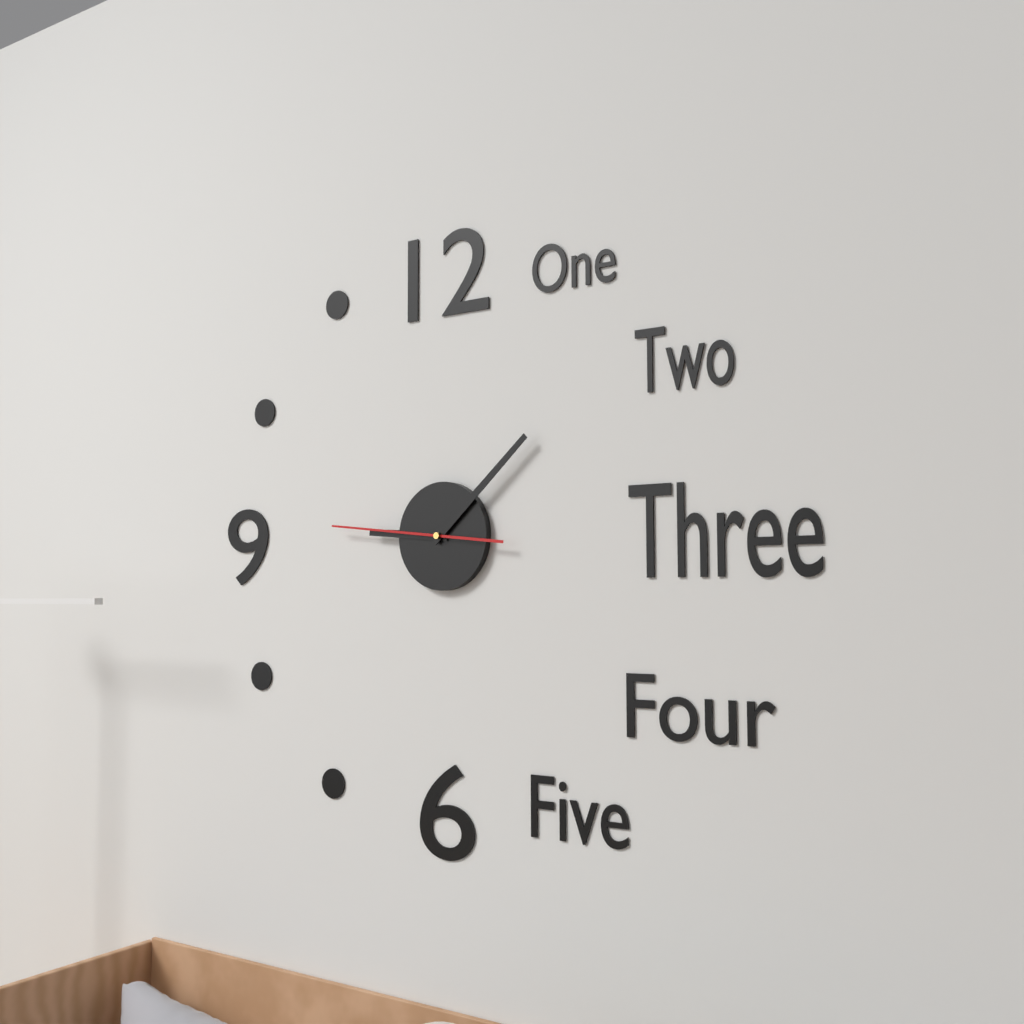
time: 9:08:46
